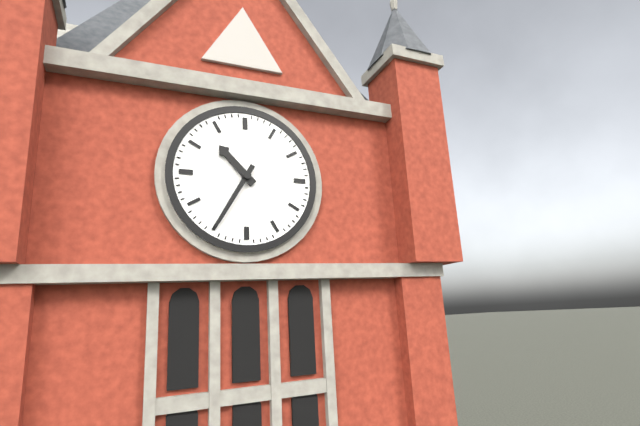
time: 10:35
